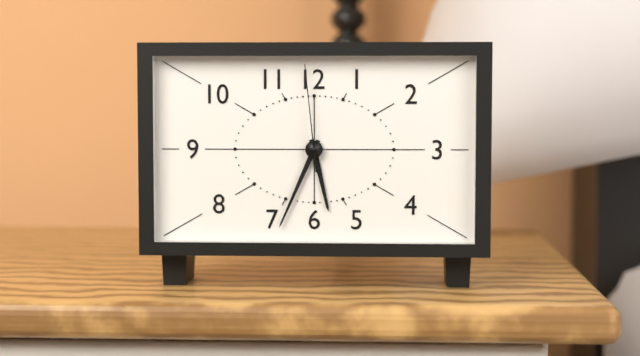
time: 5:34:59
